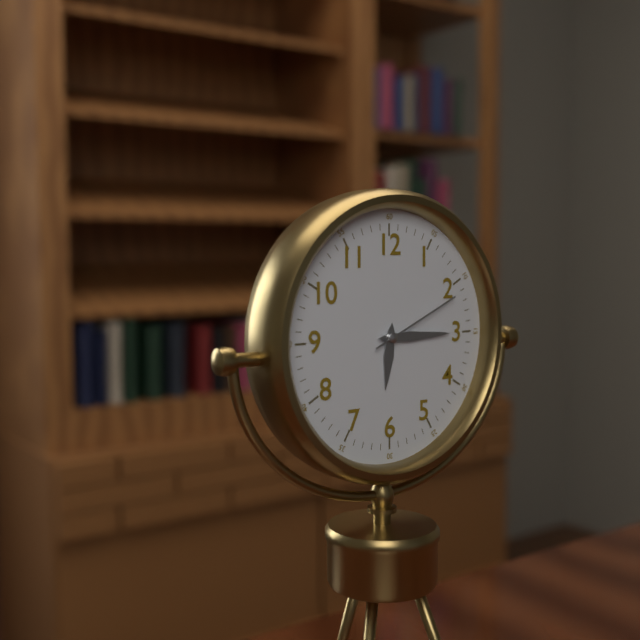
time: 6:15:11
